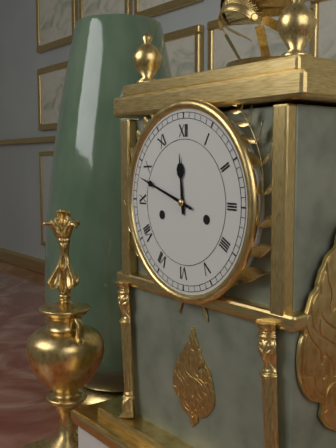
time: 11:48
